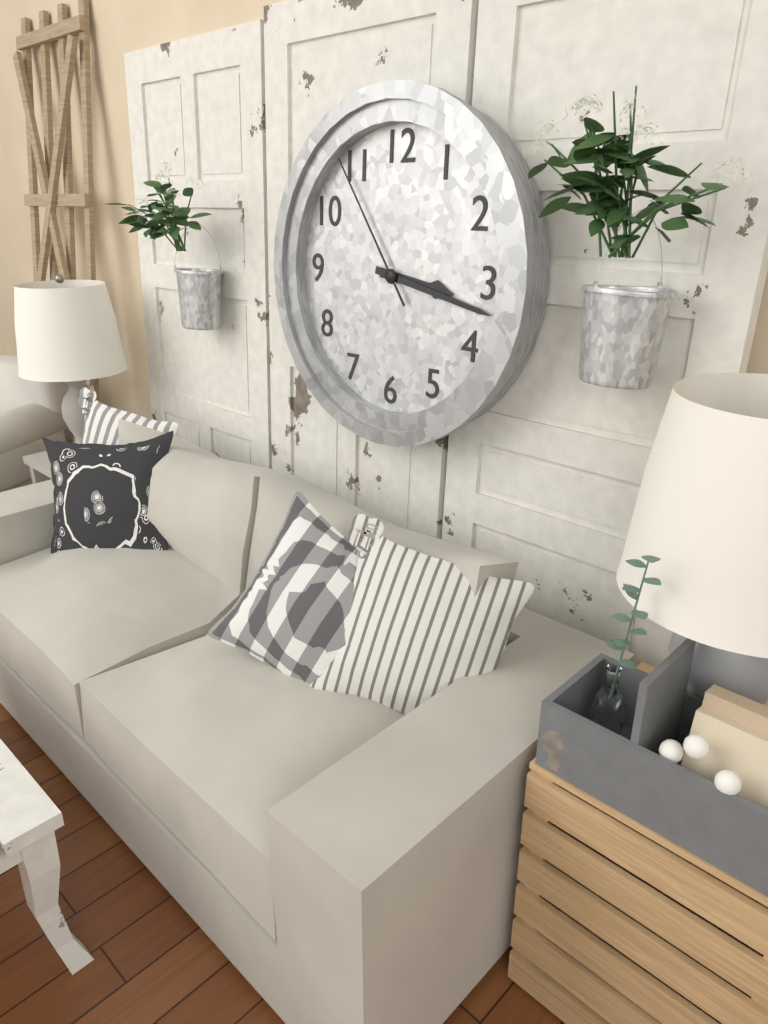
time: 3:17:54
